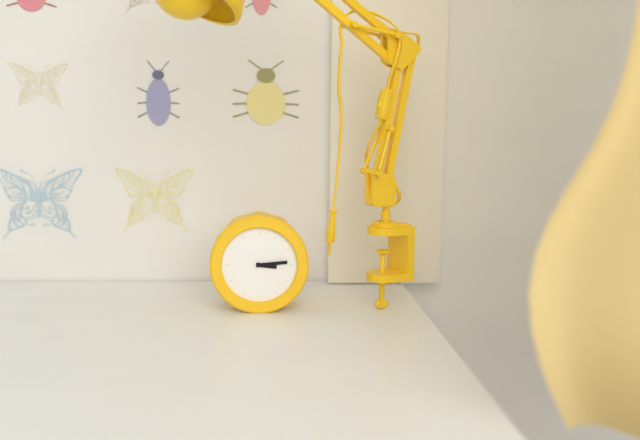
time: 3:14
